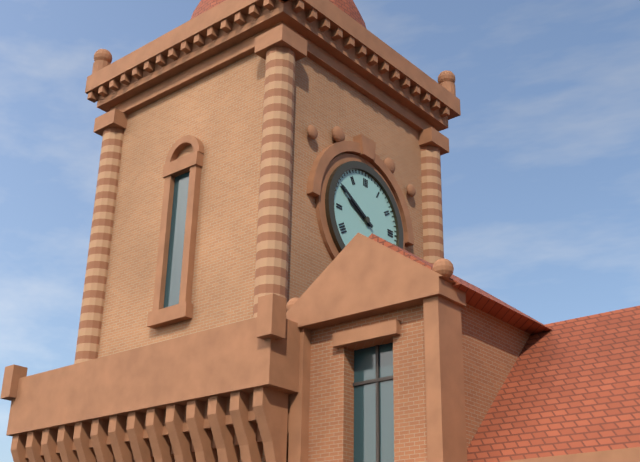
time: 9:50
